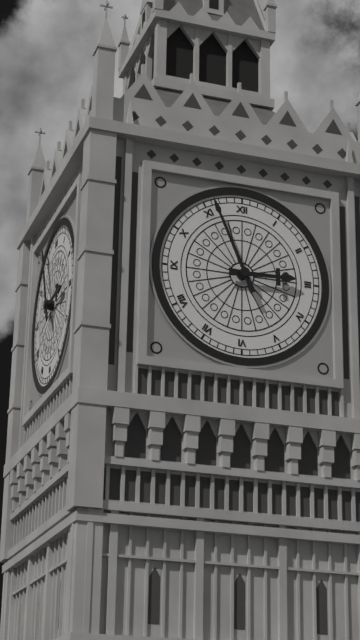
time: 2:56
